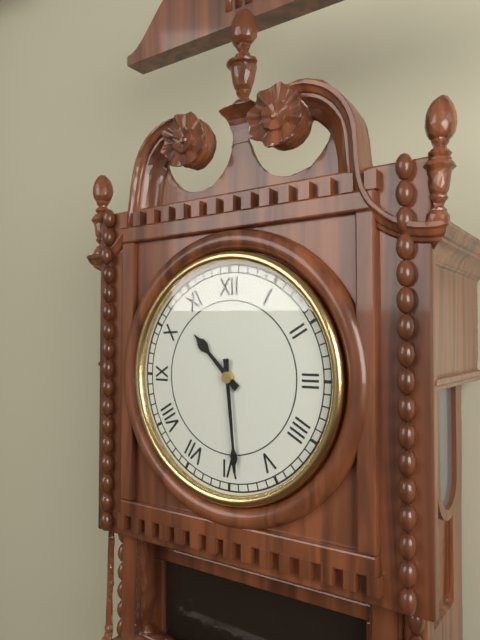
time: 10:29
